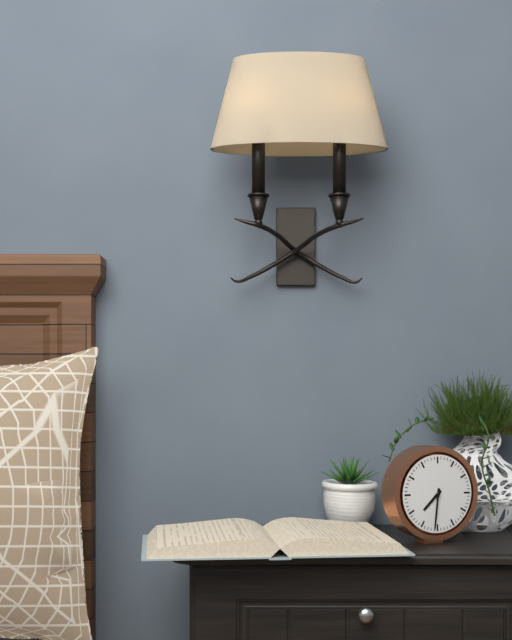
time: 7:31
